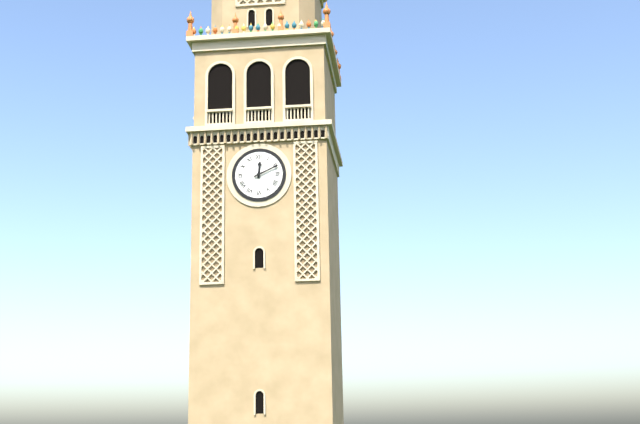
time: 12:11
